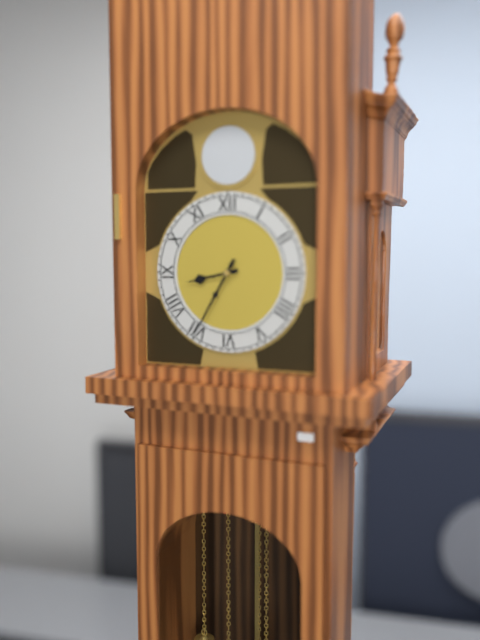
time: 8:35
